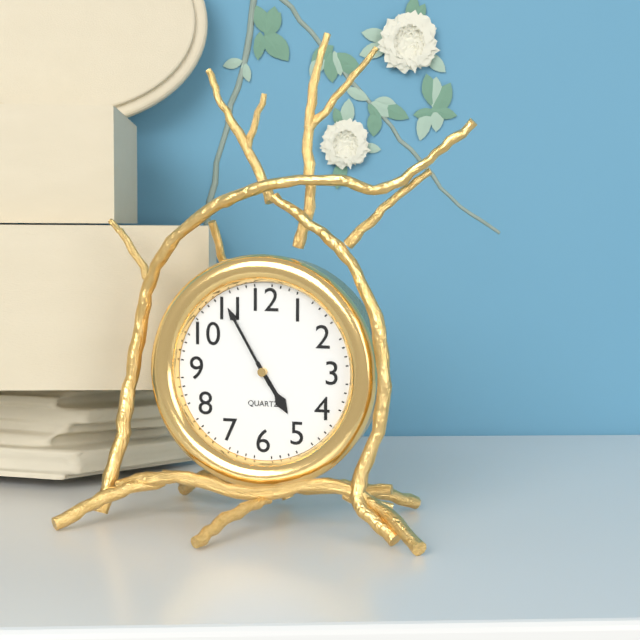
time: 4:55
